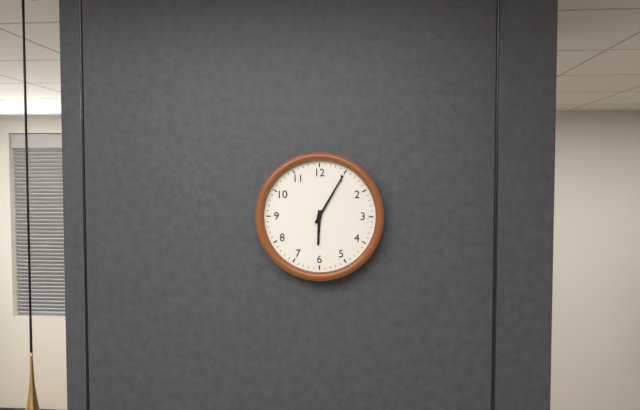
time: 6:05
